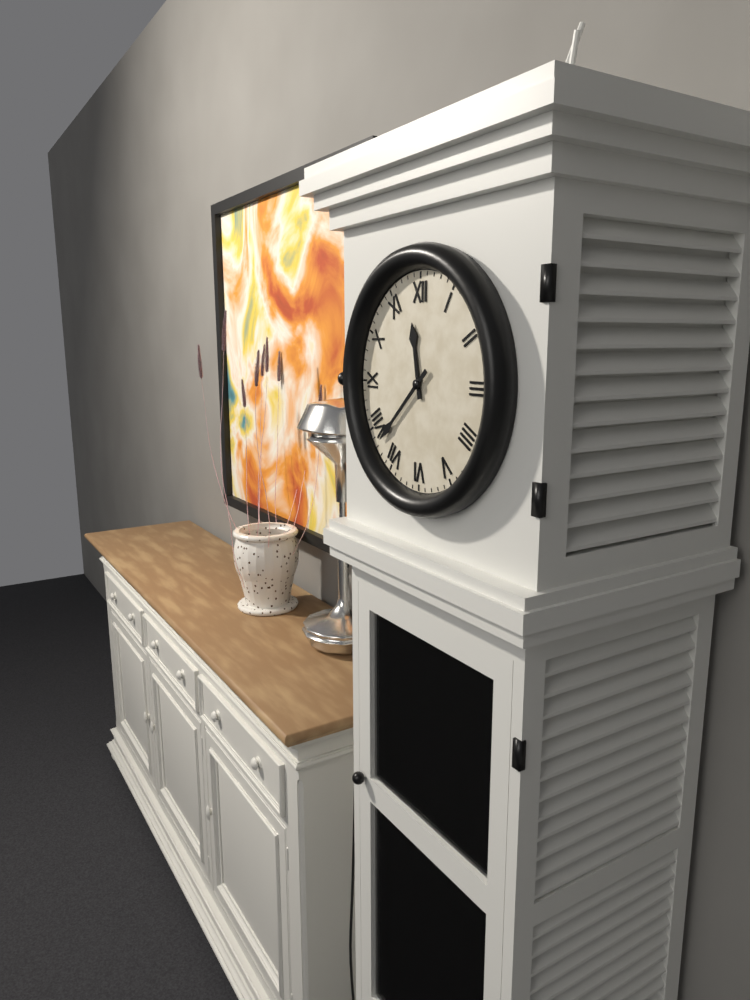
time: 11:38
